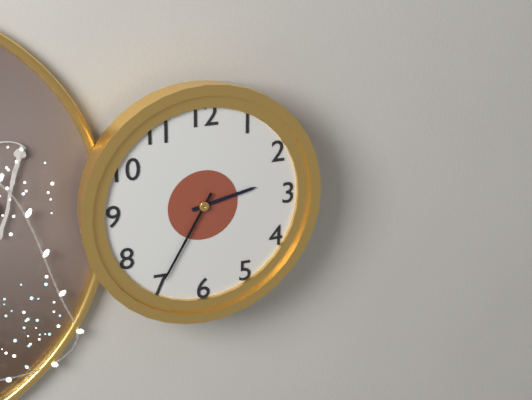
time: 2:35
